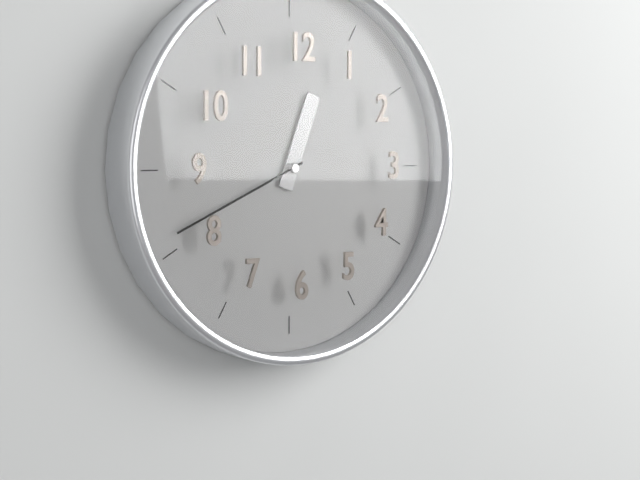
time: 12:41
